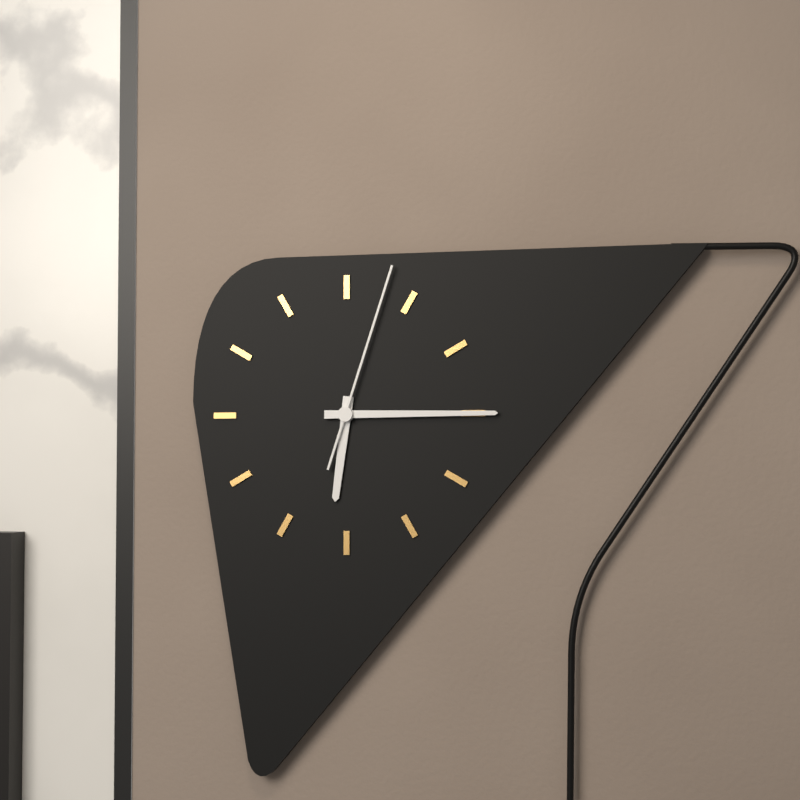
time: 6:15:03
